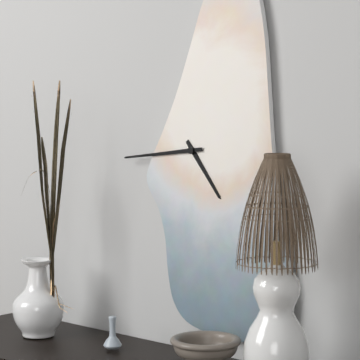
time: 4:44
